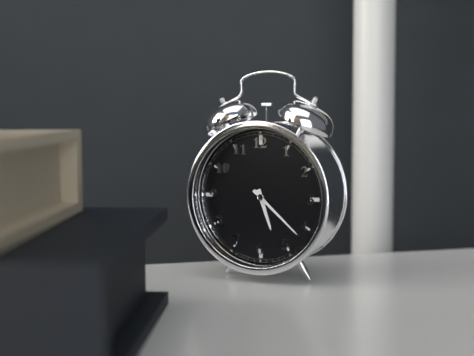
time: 5:22
